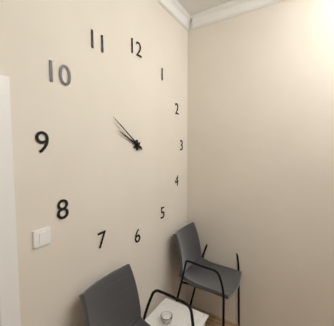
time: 9:51
